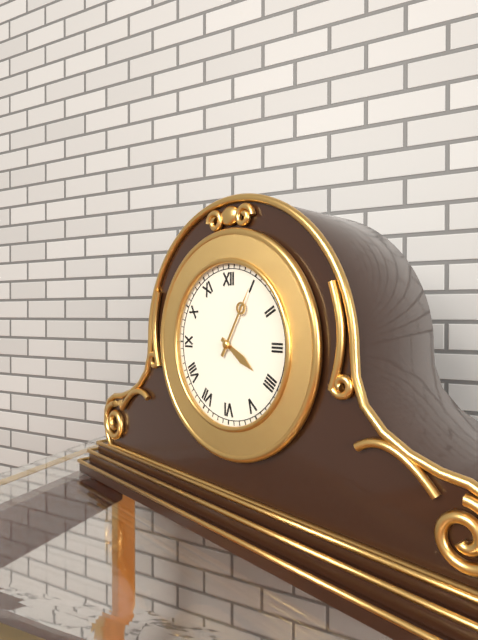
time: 4:05
